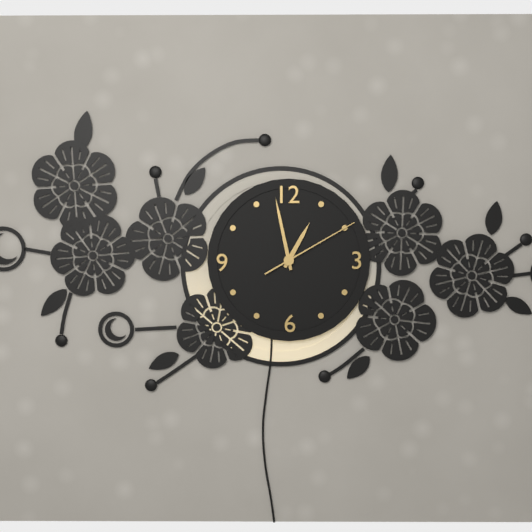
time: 12:58:10
